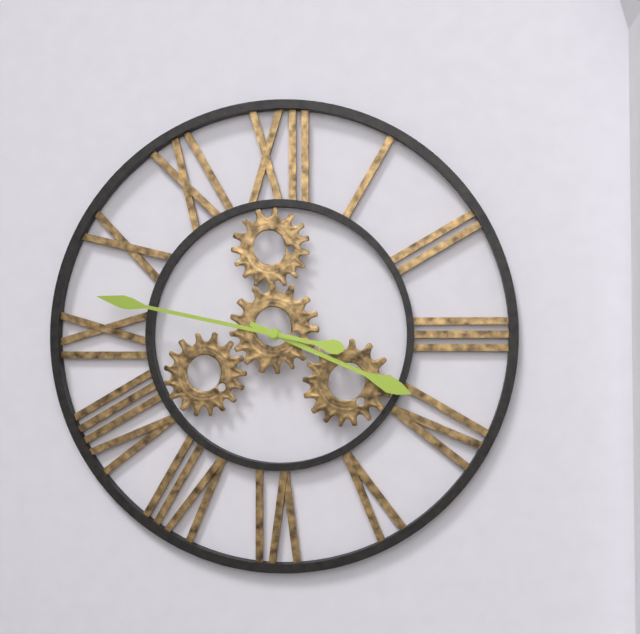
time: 3:47
